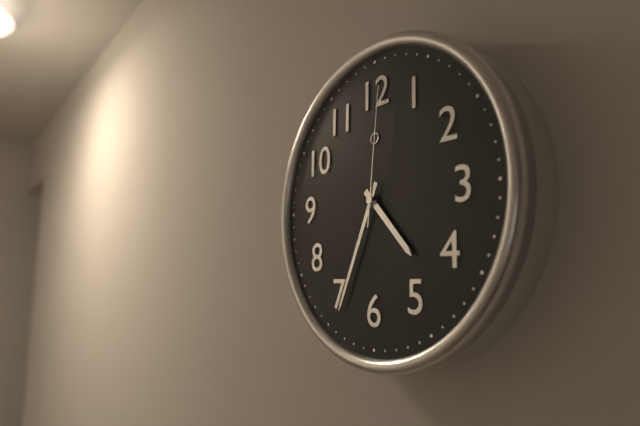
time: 4:34:01
